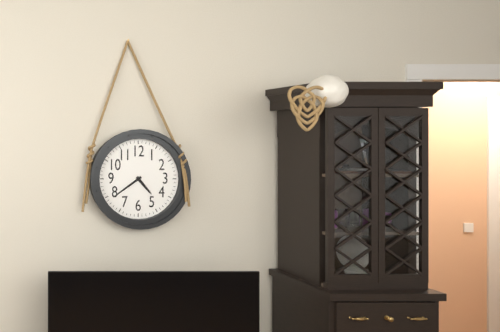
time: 4:39
